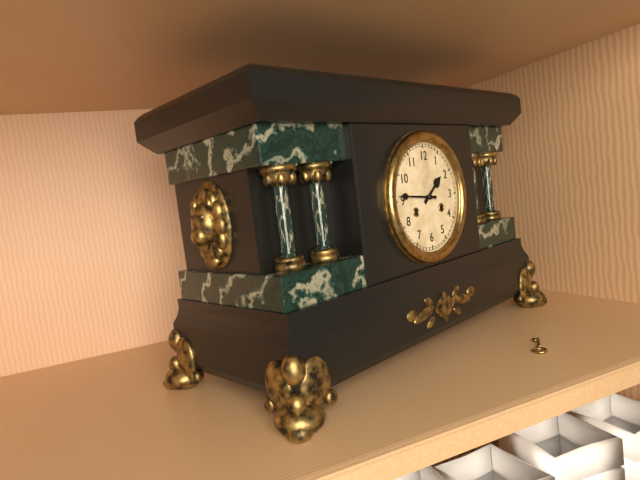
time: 1:46
